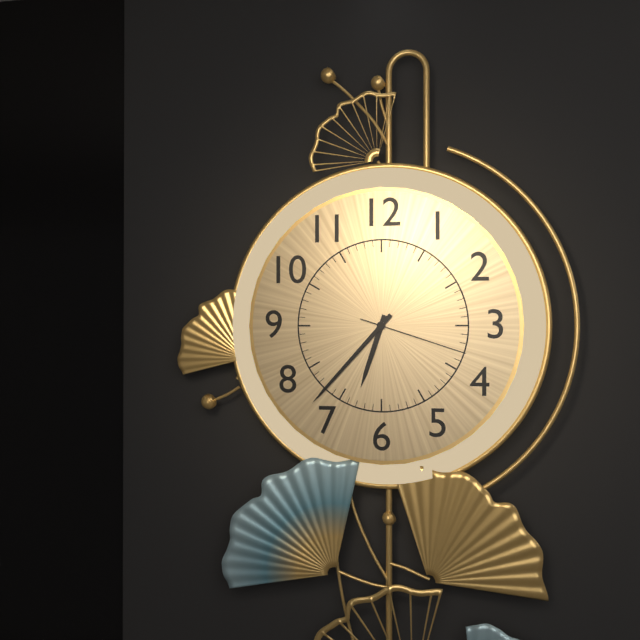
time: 6:37:18
